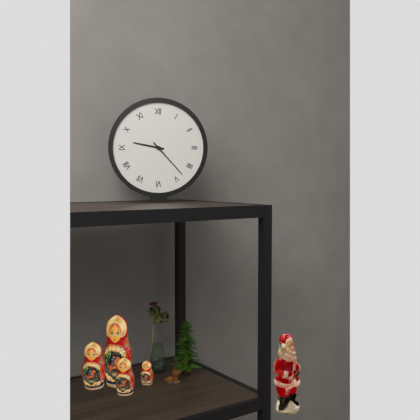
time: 9:23
